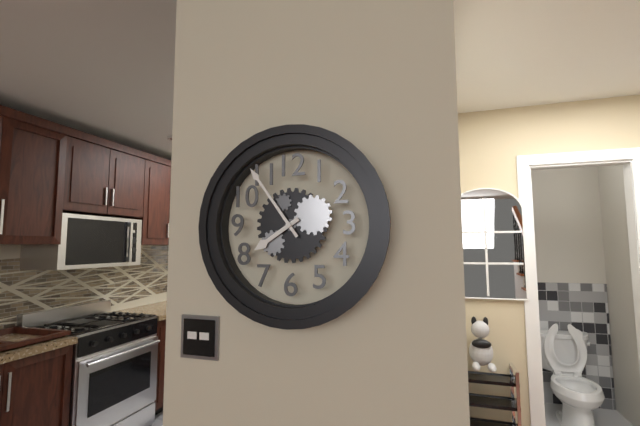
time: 7:54
